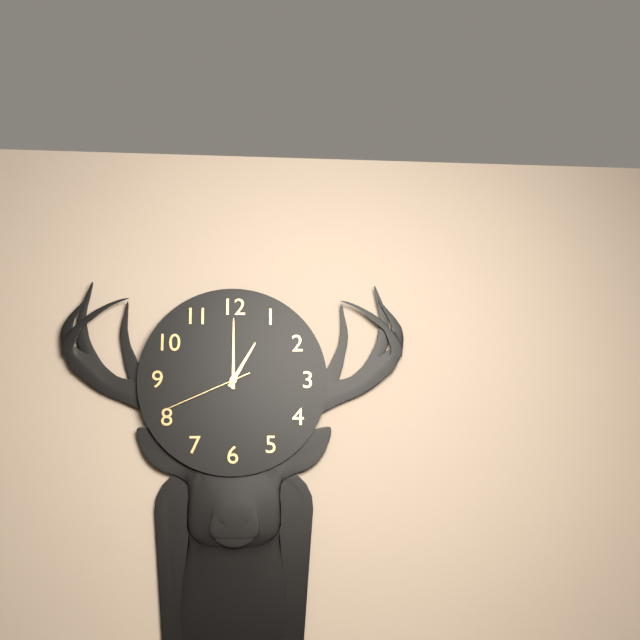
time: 1:00:41
